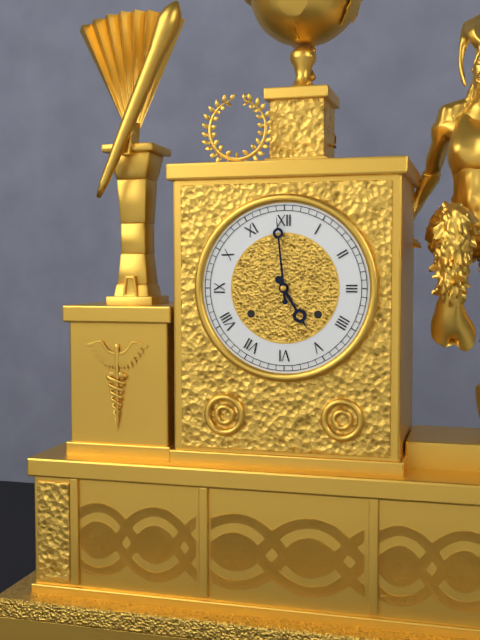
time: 4:59
